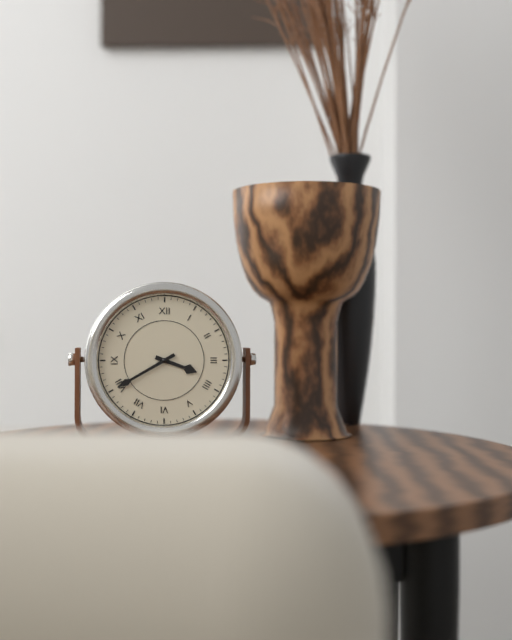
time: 3:40
